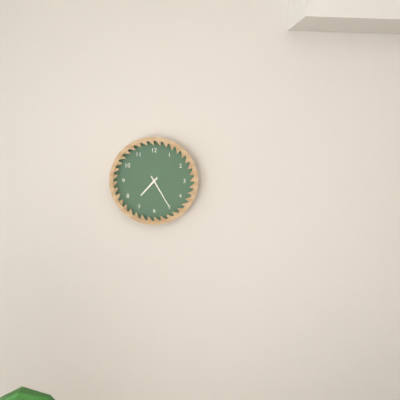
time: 7:25
